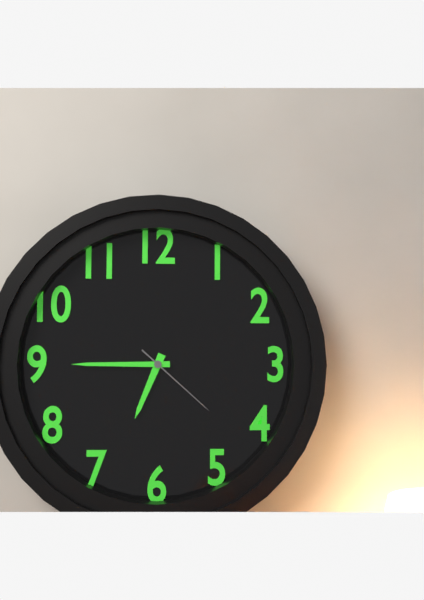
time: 6:45:22
